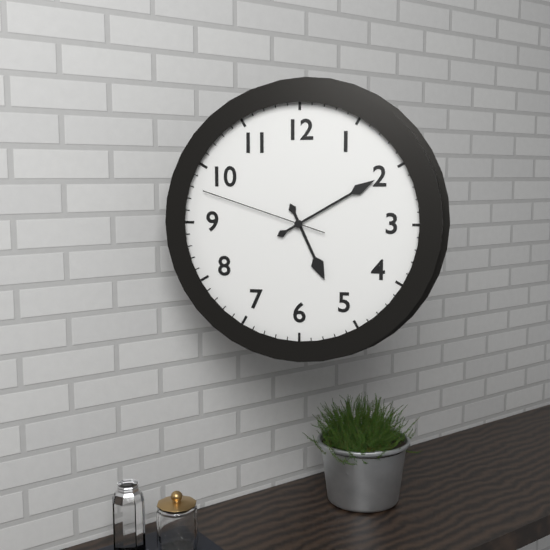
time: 5:10:48
